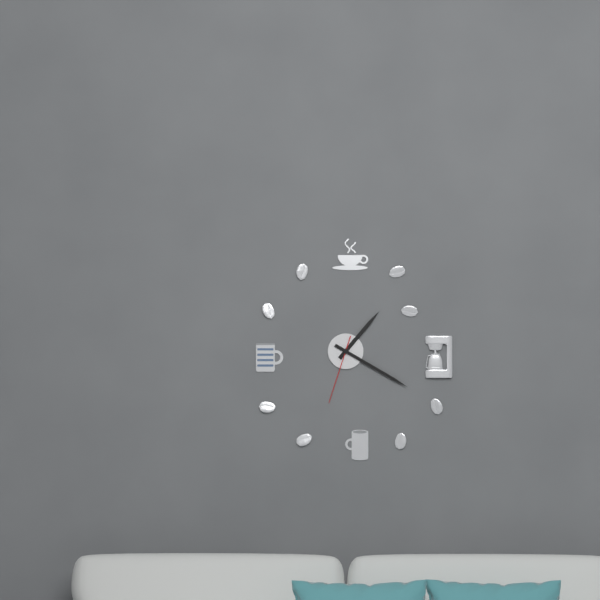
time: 1:20:33
